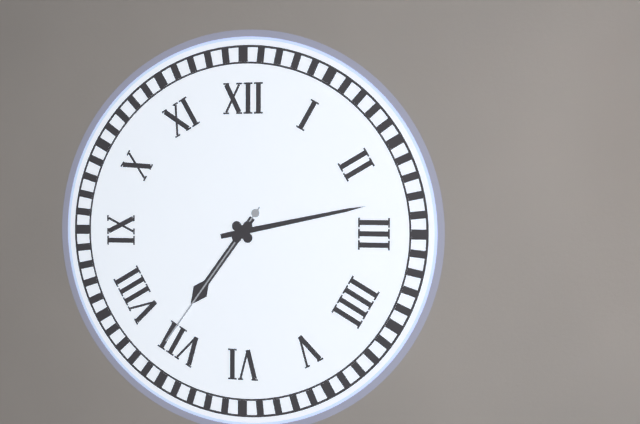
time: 7:13:36
